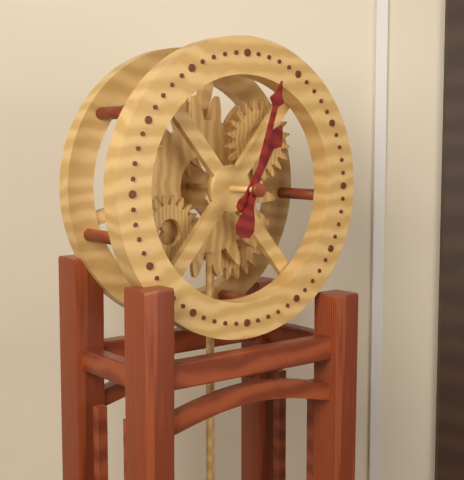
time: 1:03
